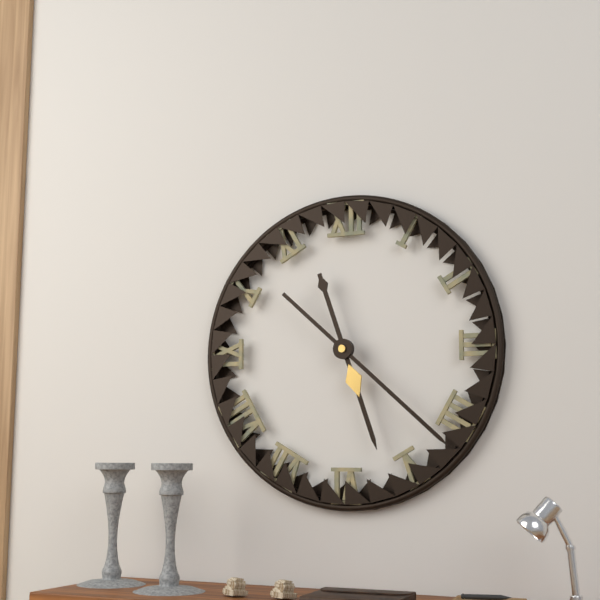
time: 5:22
